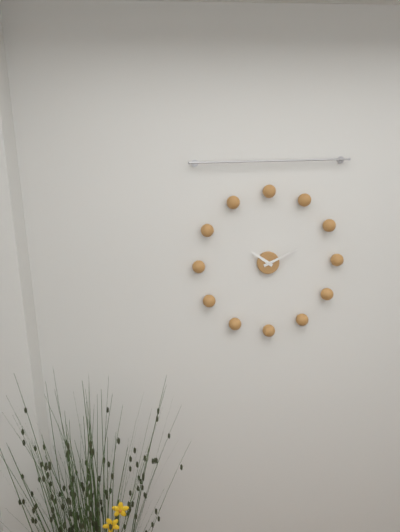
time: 10:11
